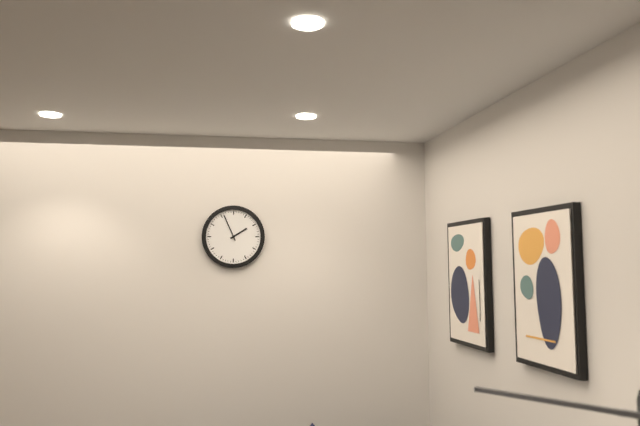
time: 1:56
